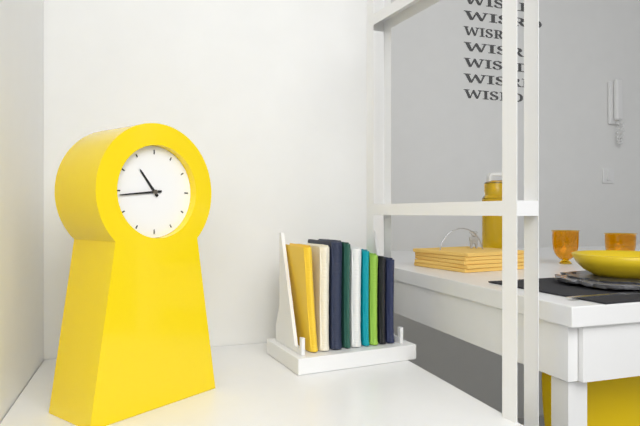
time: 10:44
